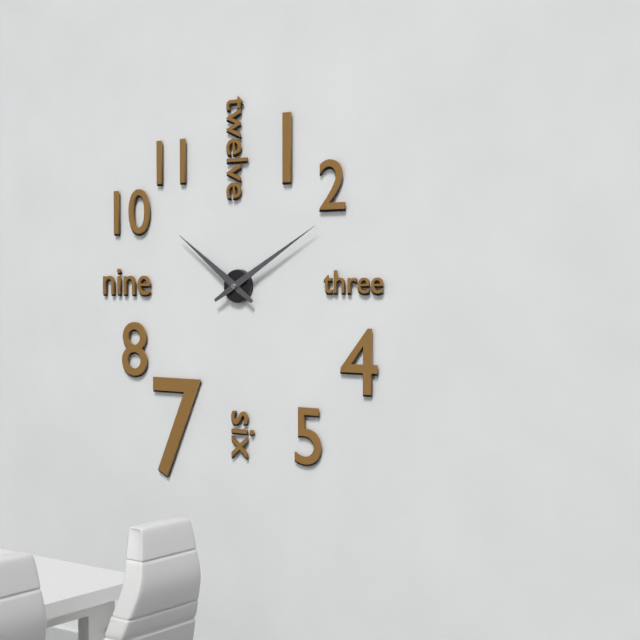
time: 10:10
